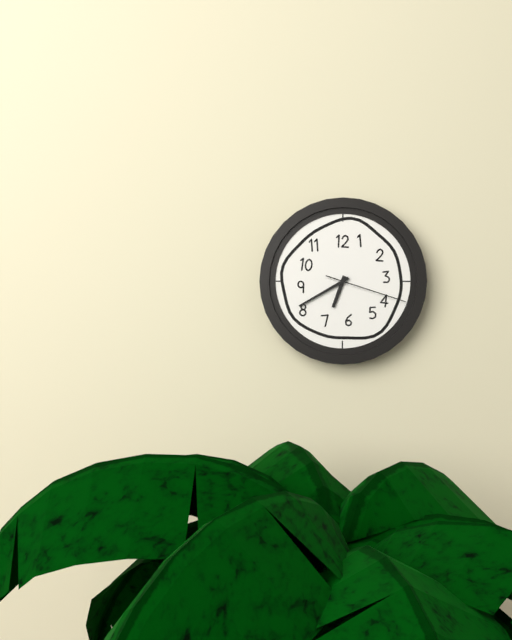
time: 6:40:18
